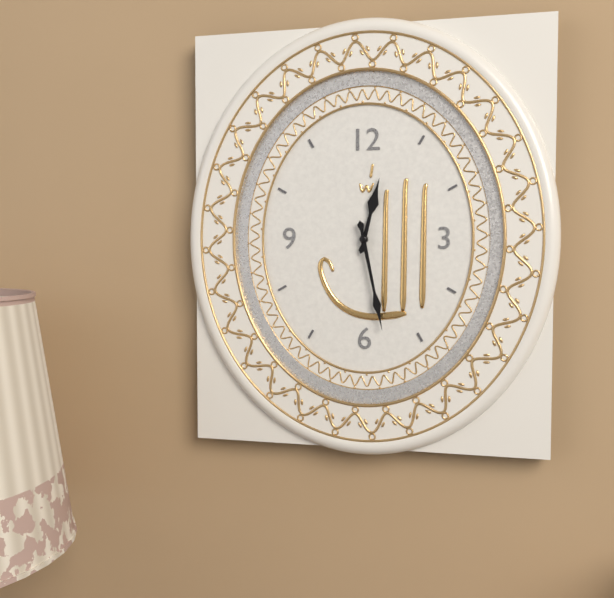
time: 12:28
